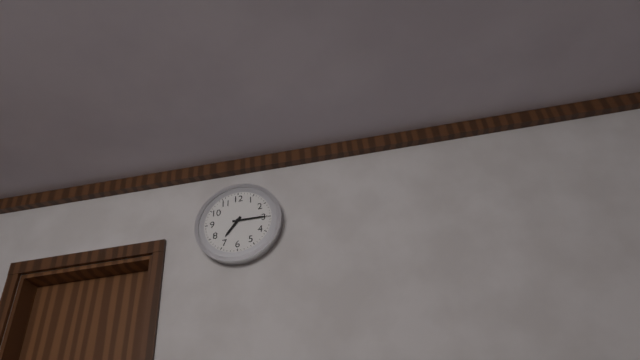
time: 7:15
